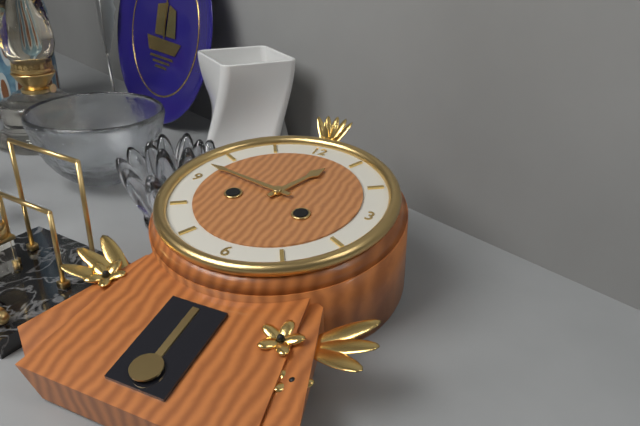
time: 12:47
